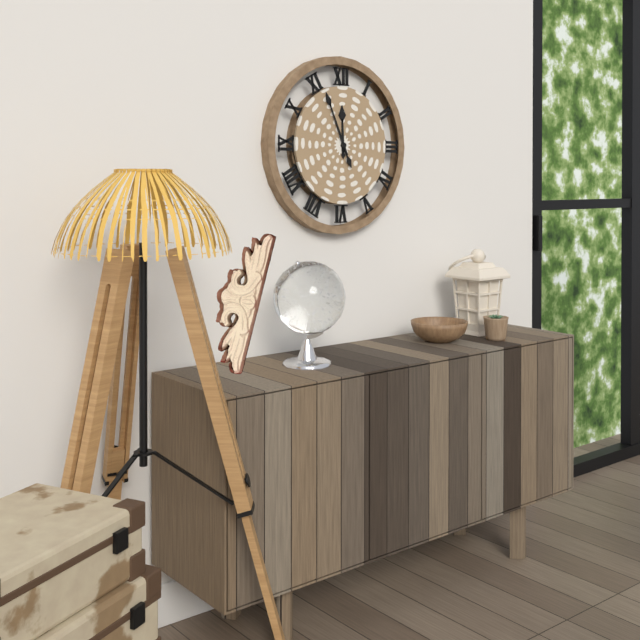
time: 11:56
